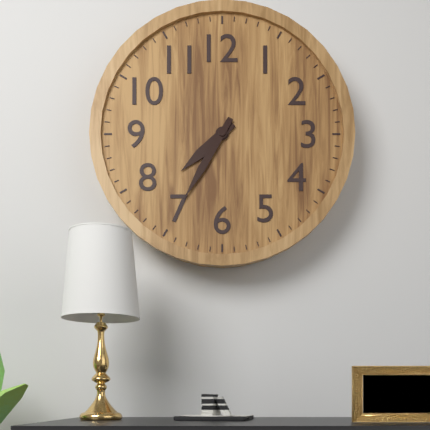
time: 7:35
